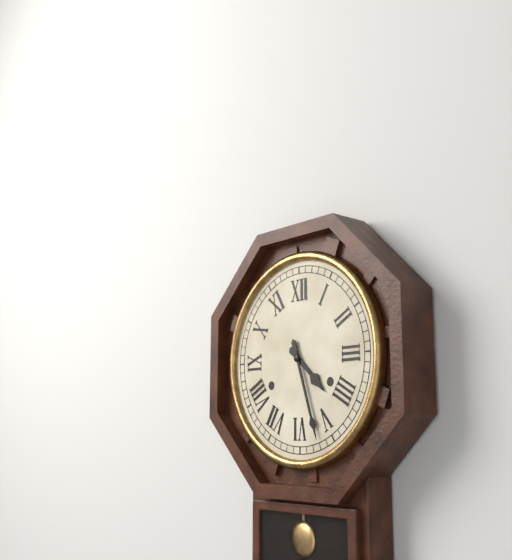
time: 4:27
